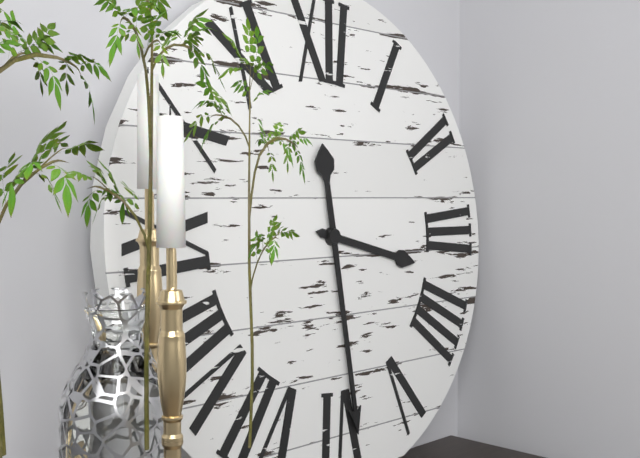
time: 3:29
